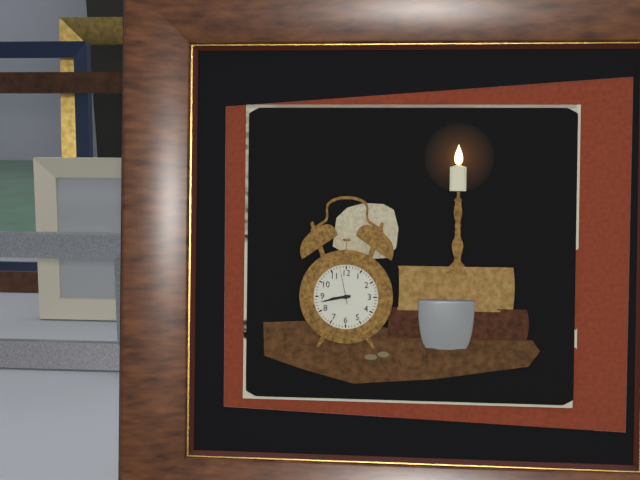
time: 8:43
